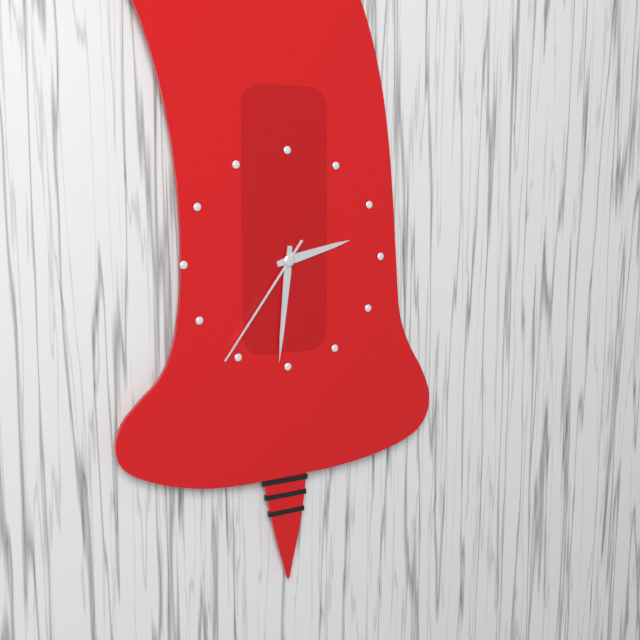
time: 2:31:36
